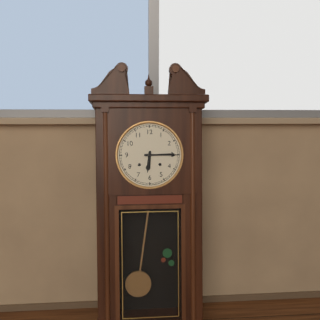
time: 6:15
